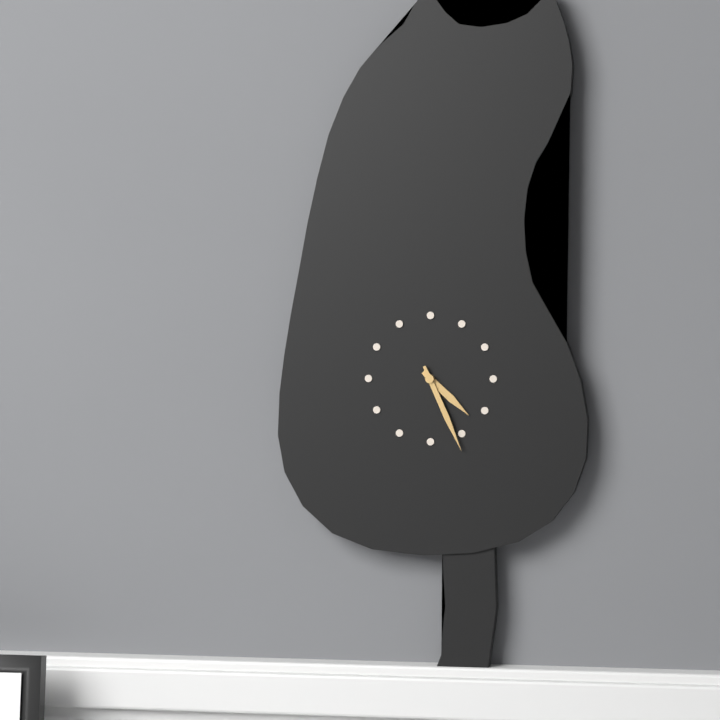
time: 4:26
